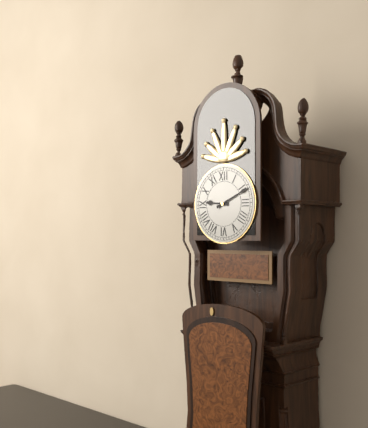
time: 9:11
